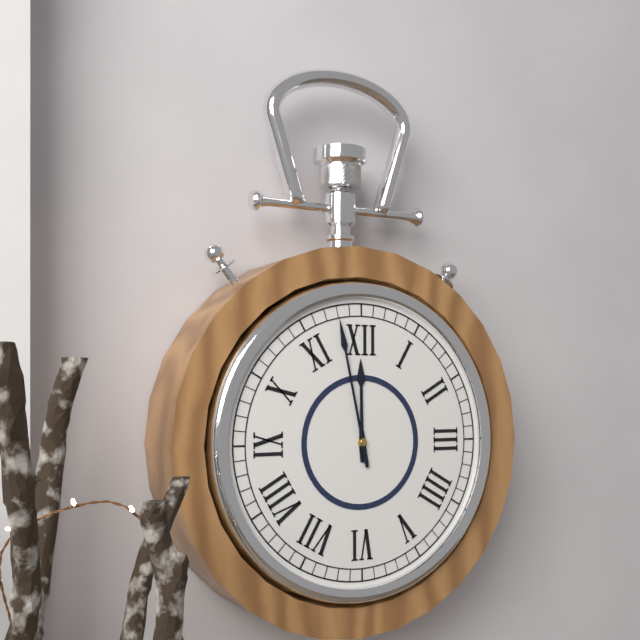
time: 11:58
